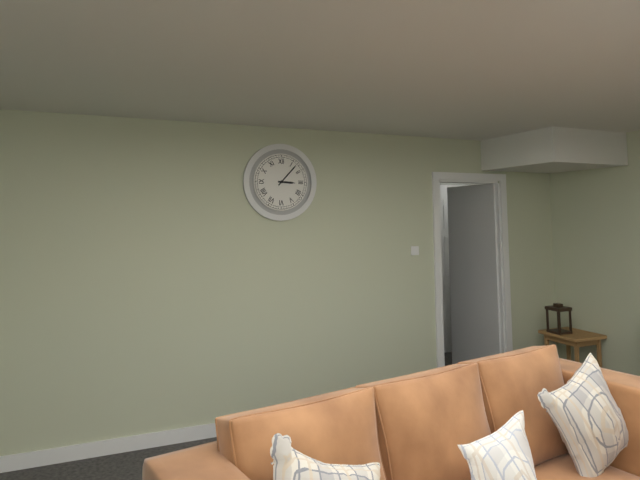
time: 3:07
